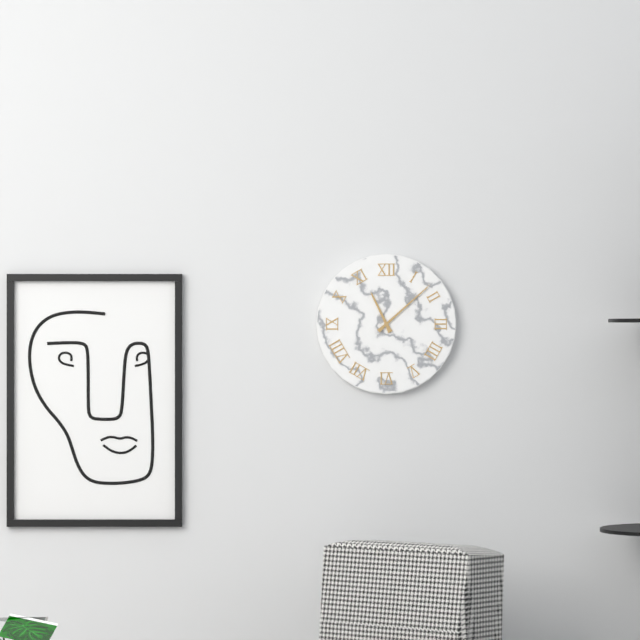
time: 11:08
